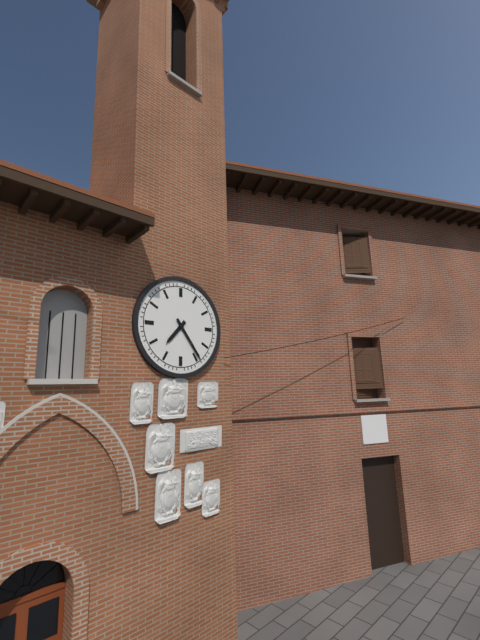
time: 7:24
